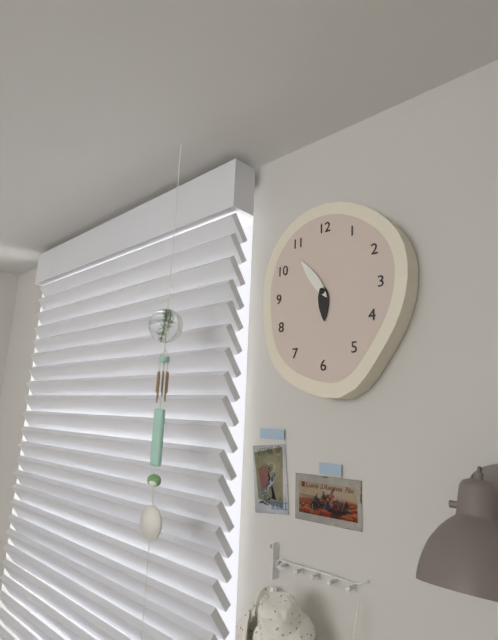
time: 5:54
